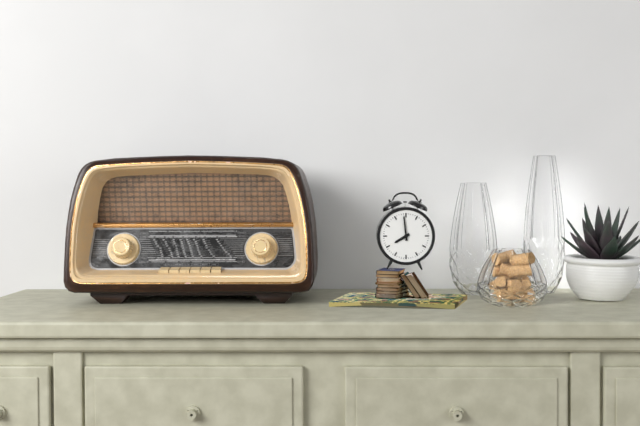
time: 7:59
